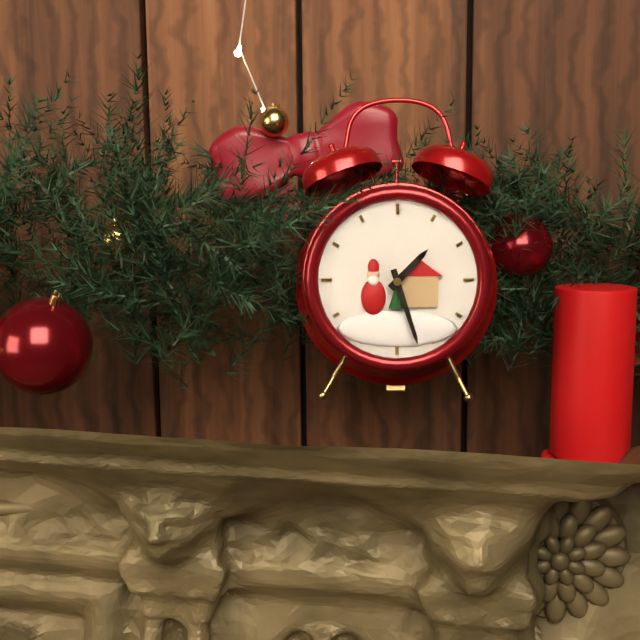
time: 1:27
